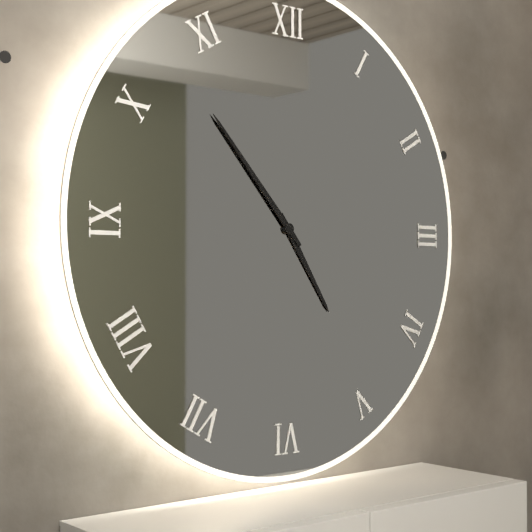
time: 4:53
